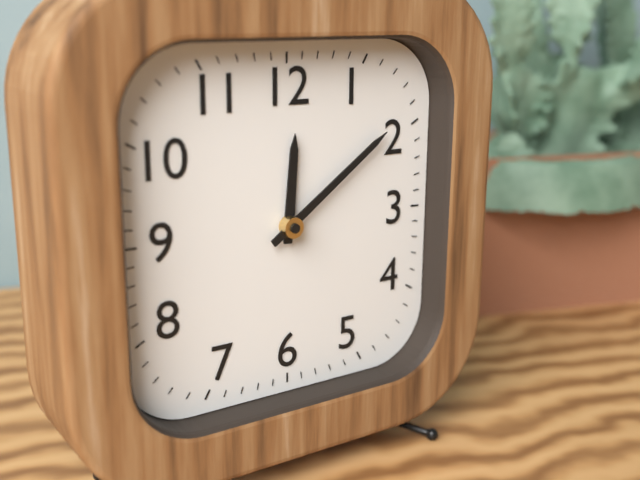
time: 12:09
